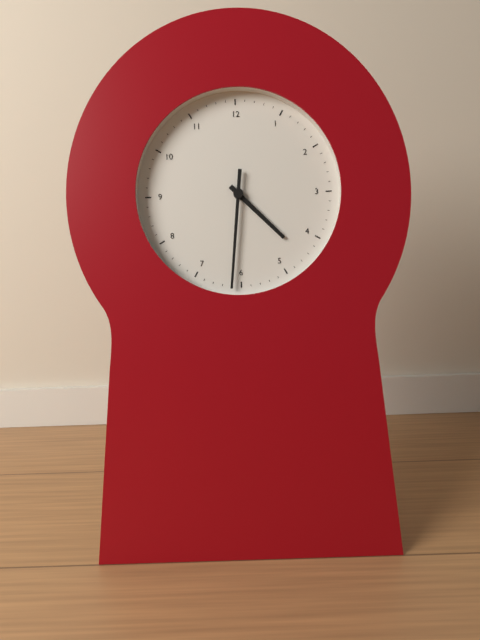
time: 4:31
